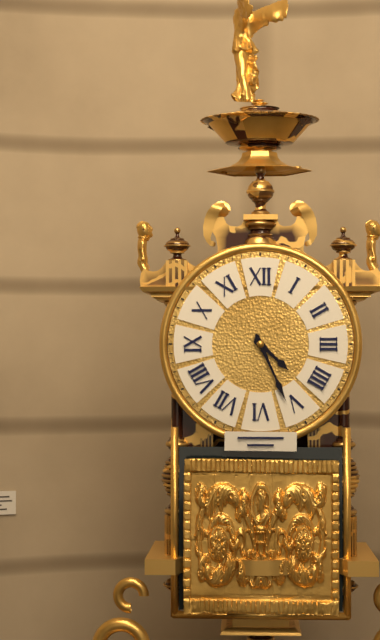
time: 4:26
